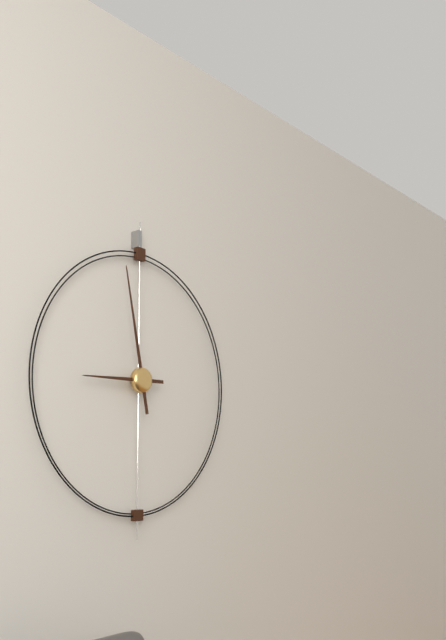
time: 8:58
